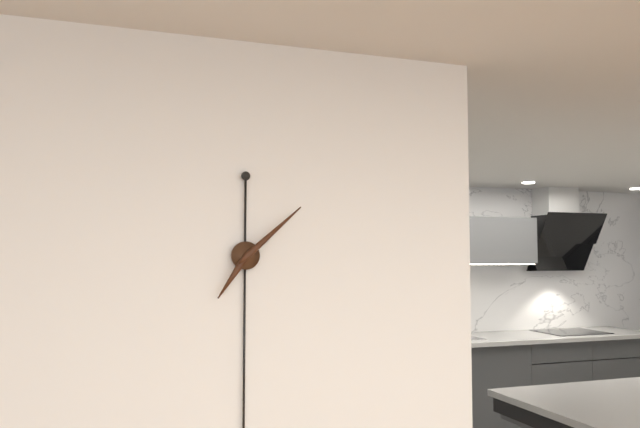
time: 7:08
